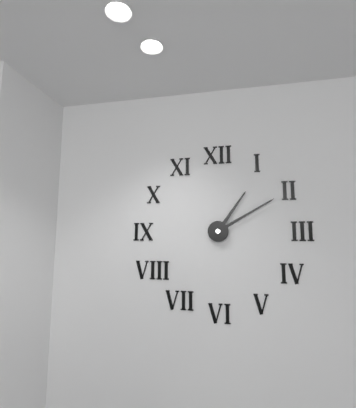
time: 1:10
